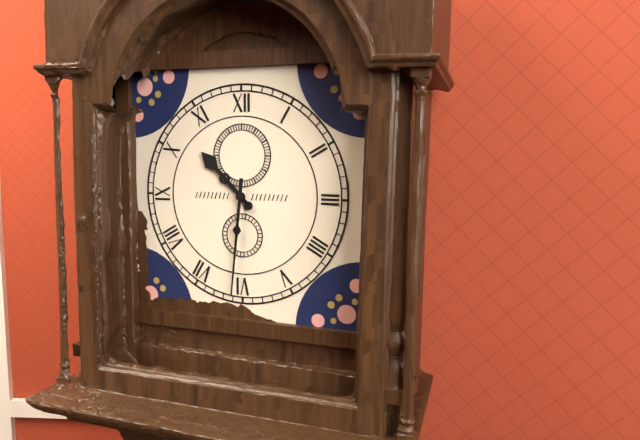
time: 10:31
